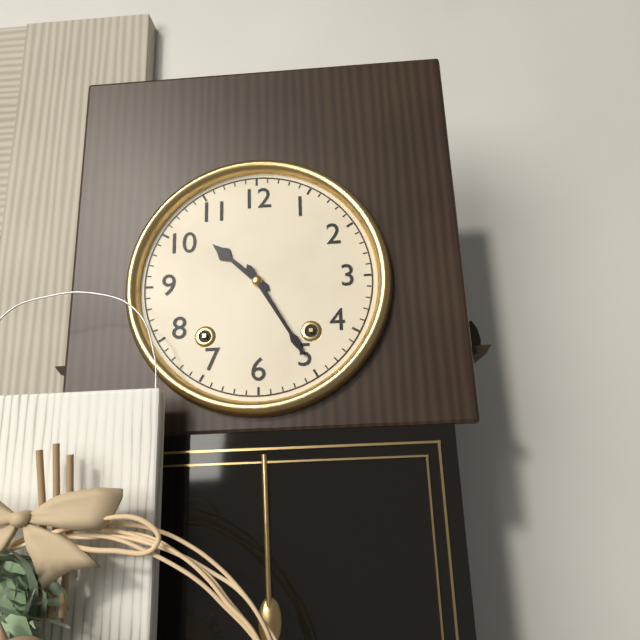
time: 10:25
